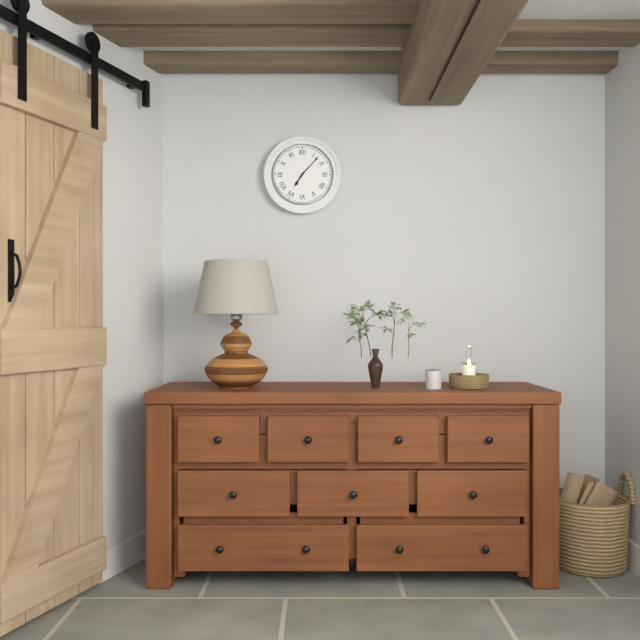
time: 7:07
